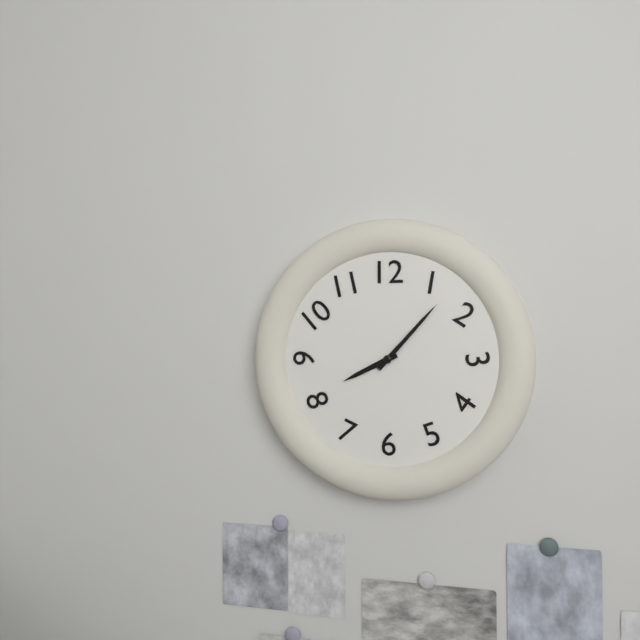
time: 8:07
